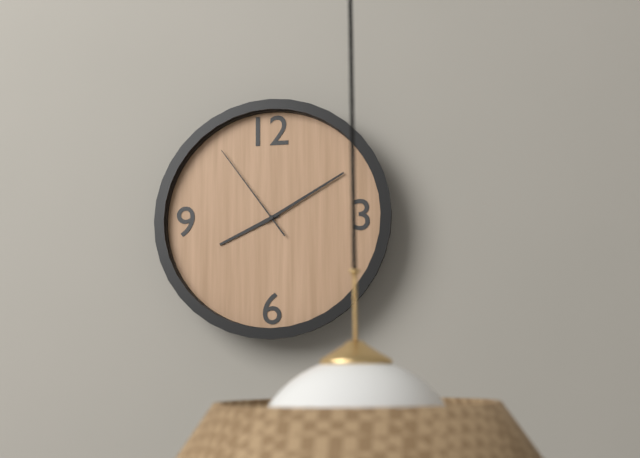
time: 8:10:54
